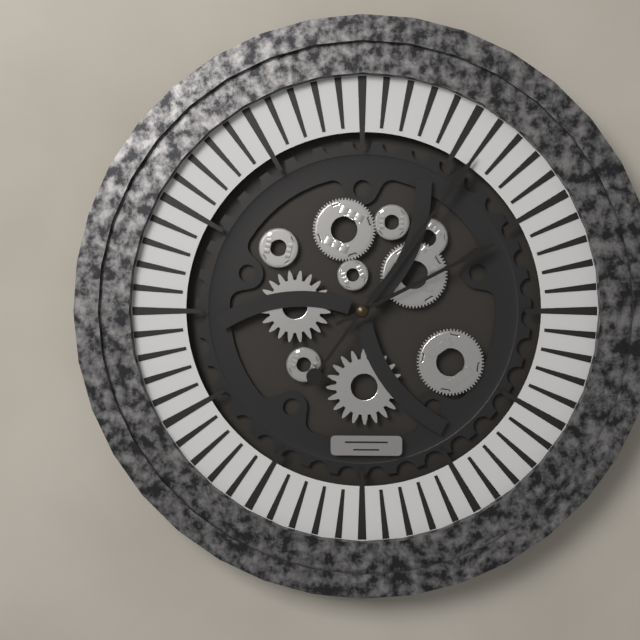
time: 2:06
